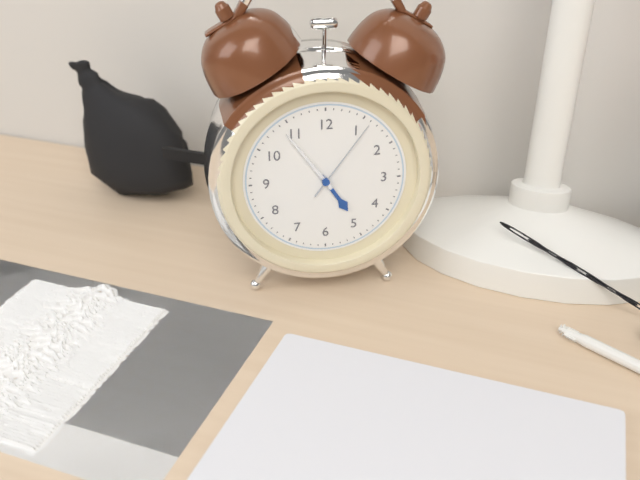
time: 4:54:06
